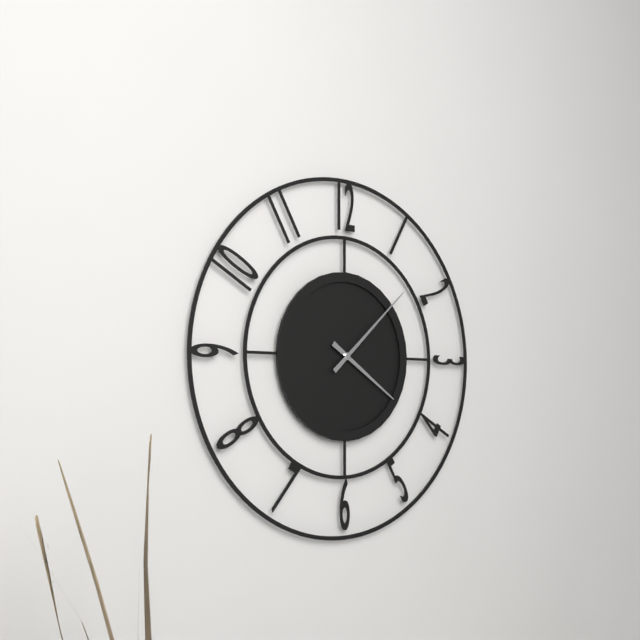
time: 4:08
